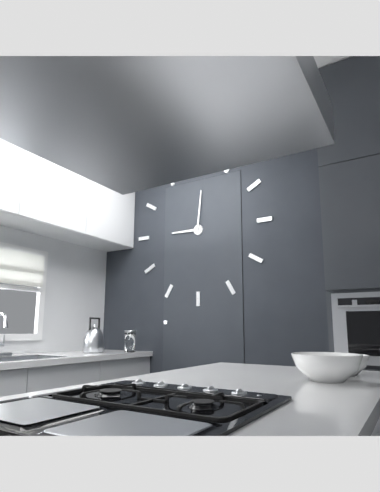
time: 9:01
